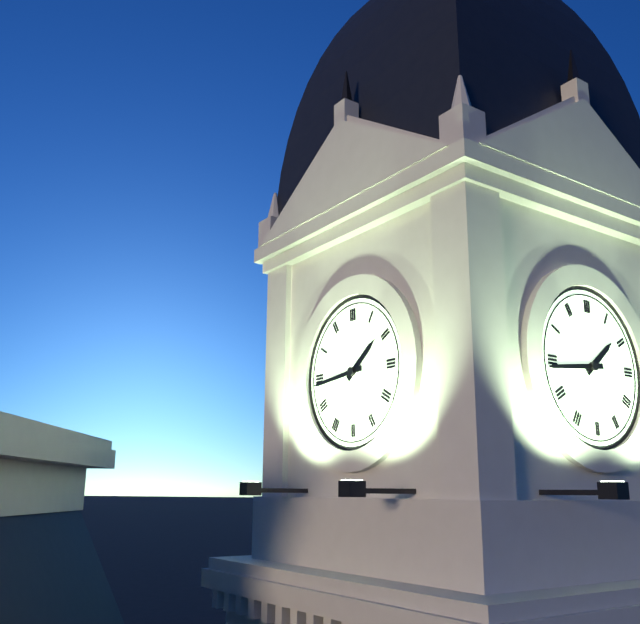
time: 1:44
